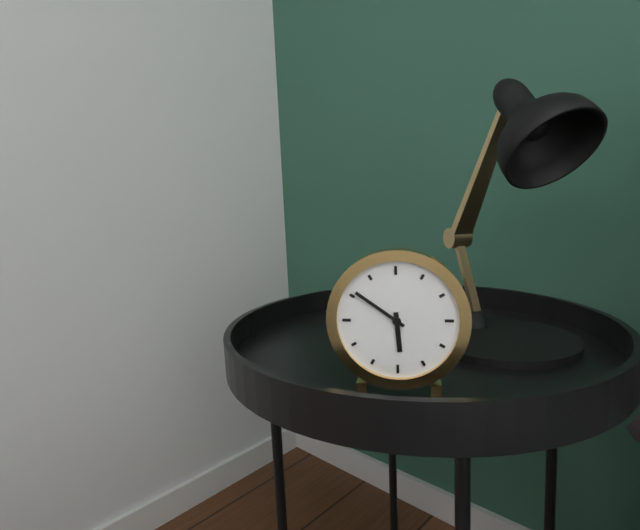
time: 5:51
